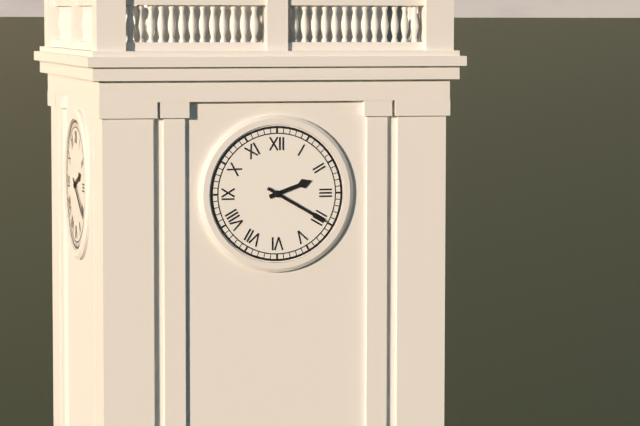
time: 2:20
